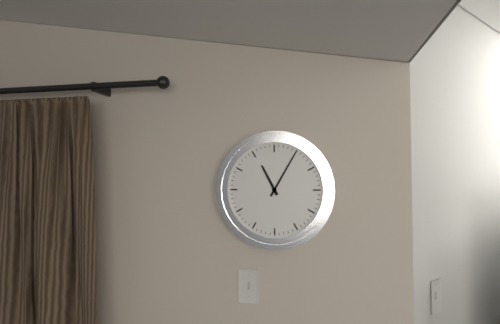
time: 11:05
